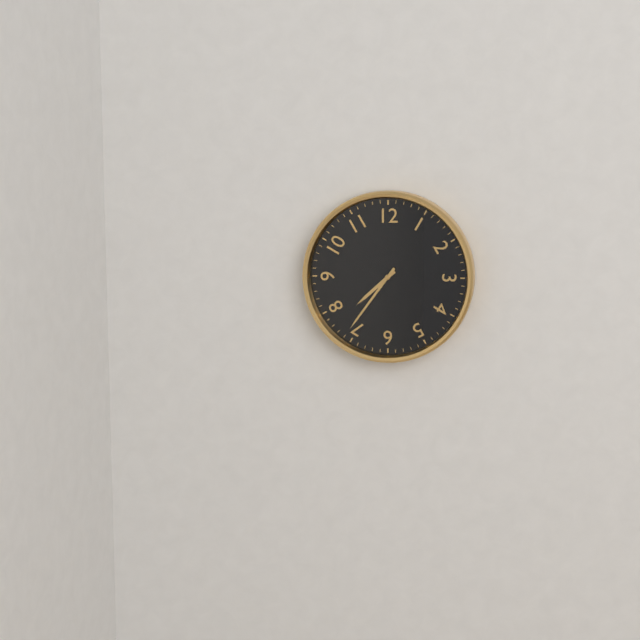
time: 7:36
